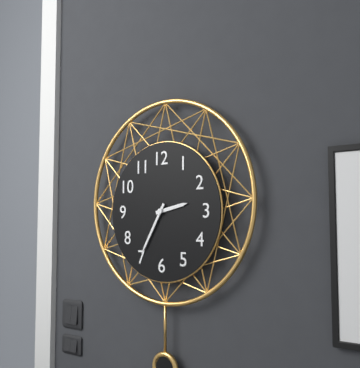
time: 2:35
